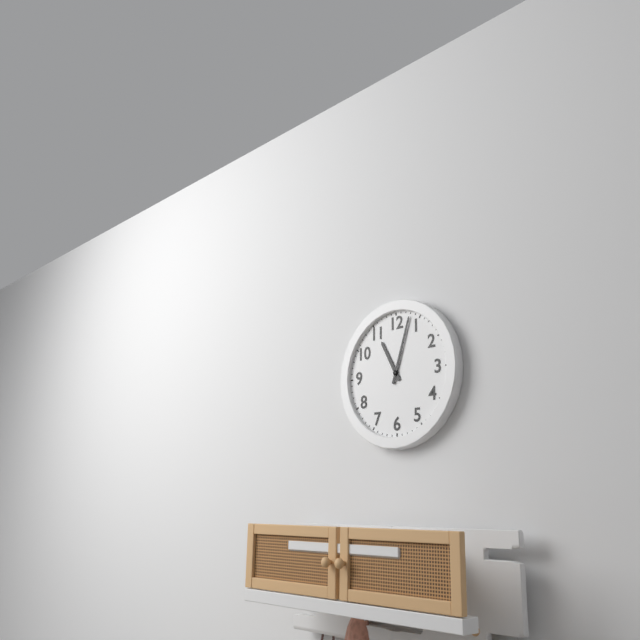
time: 11:03
